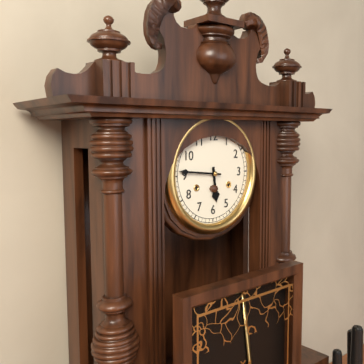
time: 5:46
